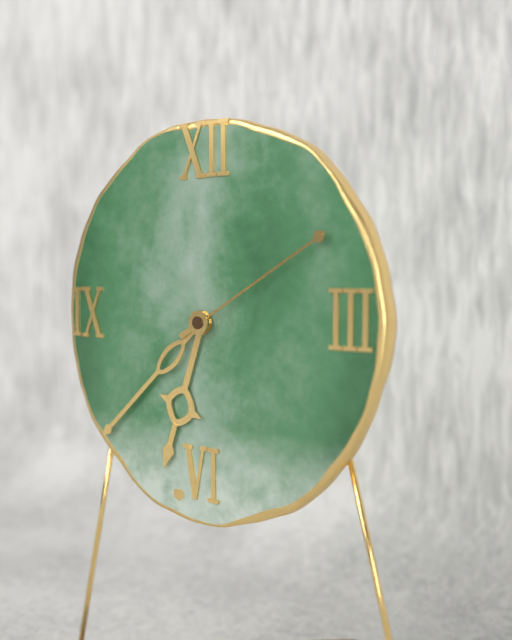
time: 6:38:10
